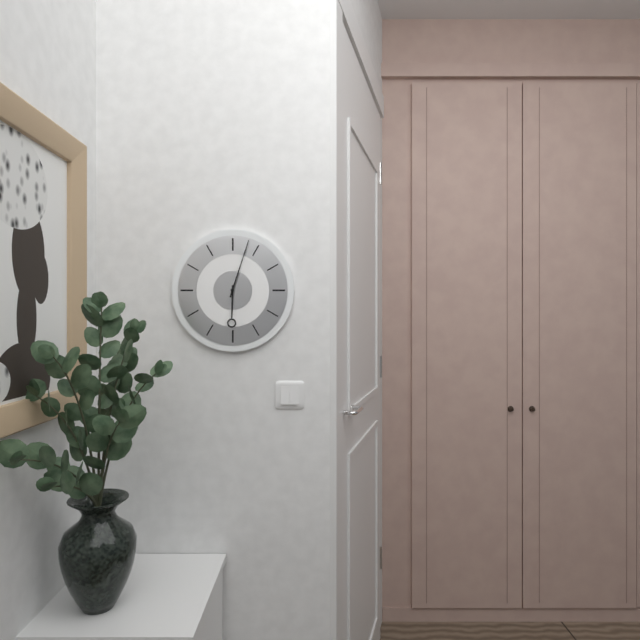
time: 6:03
